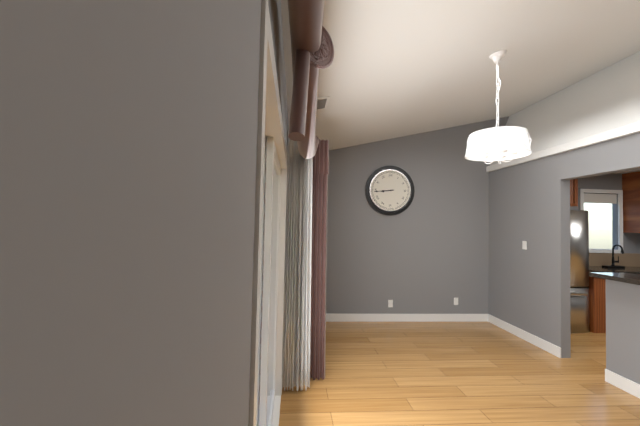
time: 8:44
